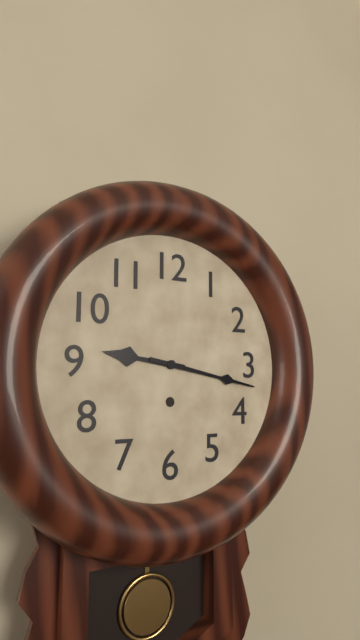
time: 9:17
